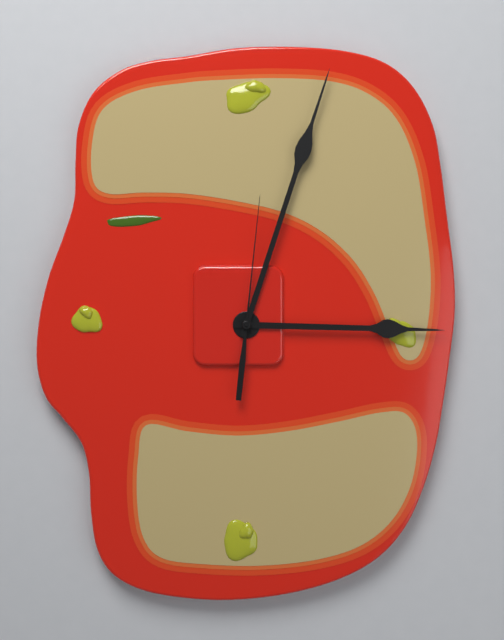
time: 3:03:01
